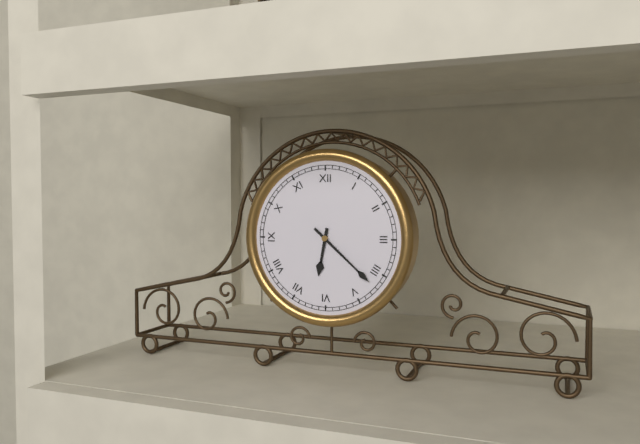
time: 6:22
